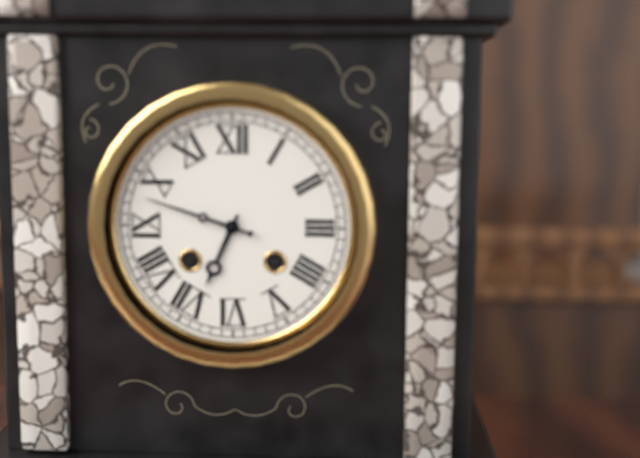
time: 6:48
